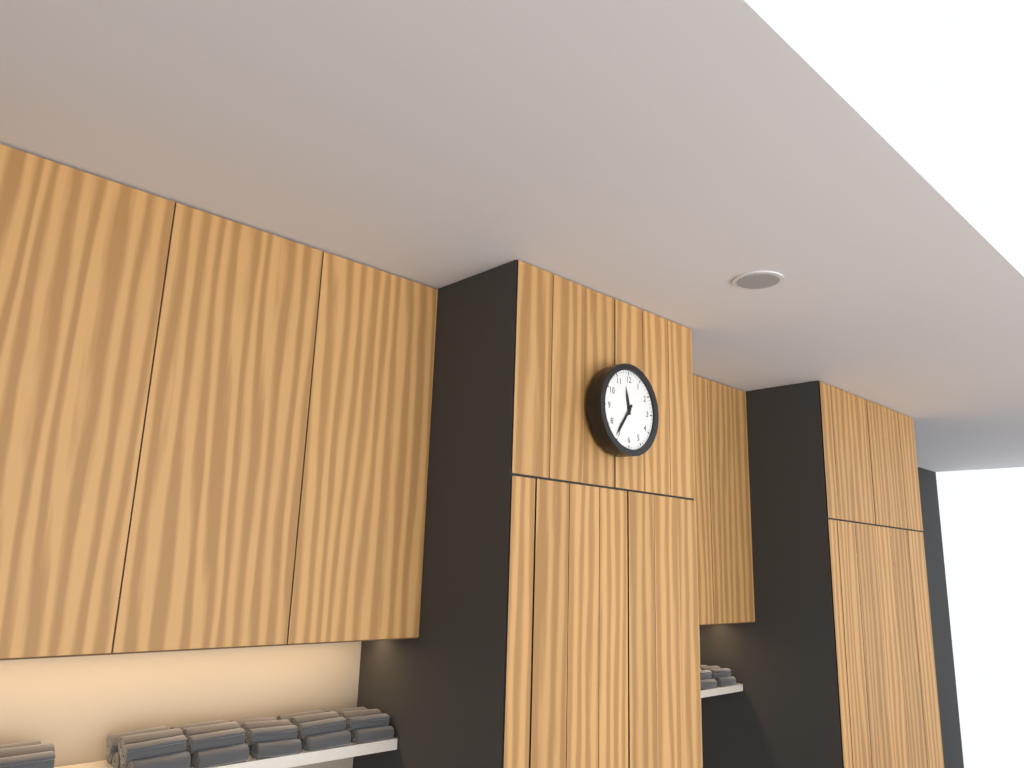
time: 11:36
